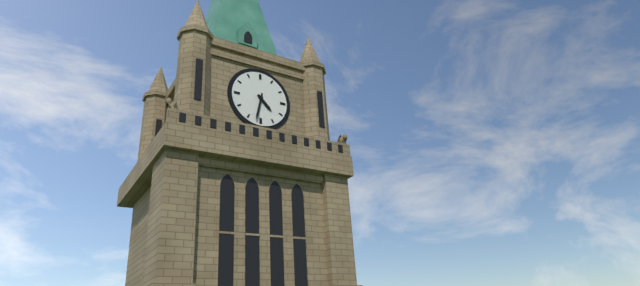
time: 4:32
